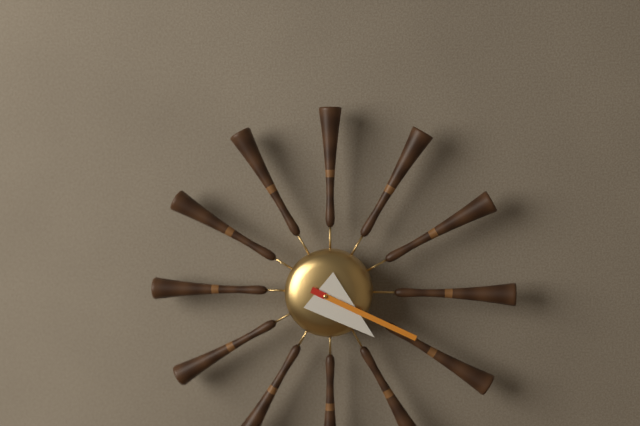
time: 4:19
